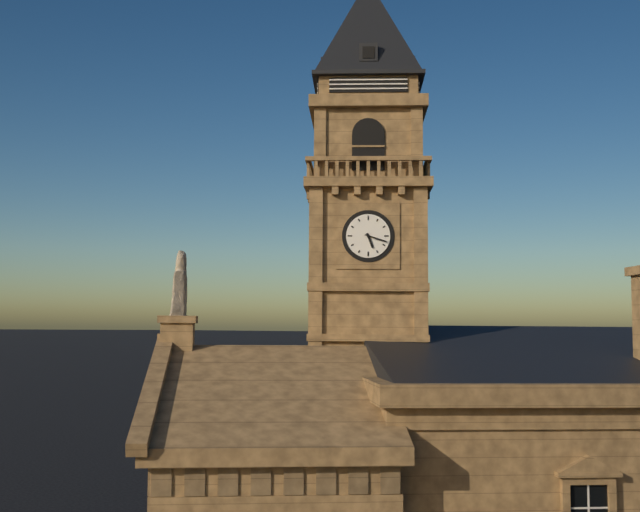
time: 5:18
